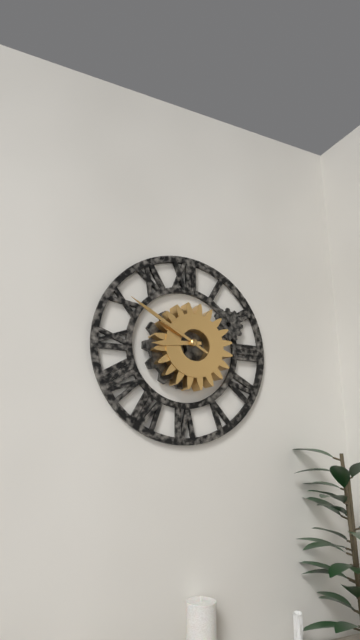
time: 8:50
